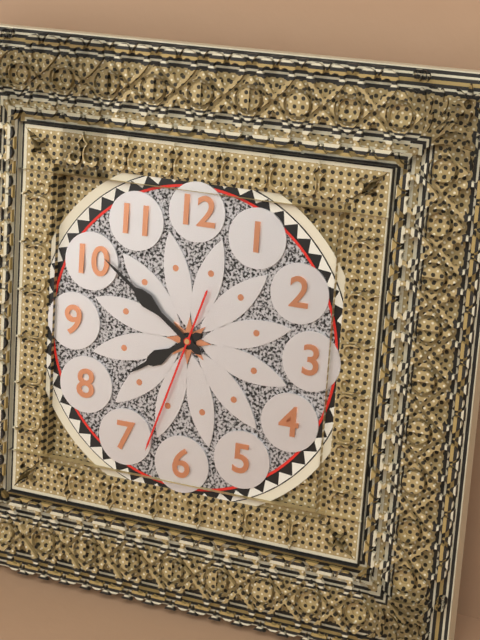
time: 7:51:33
